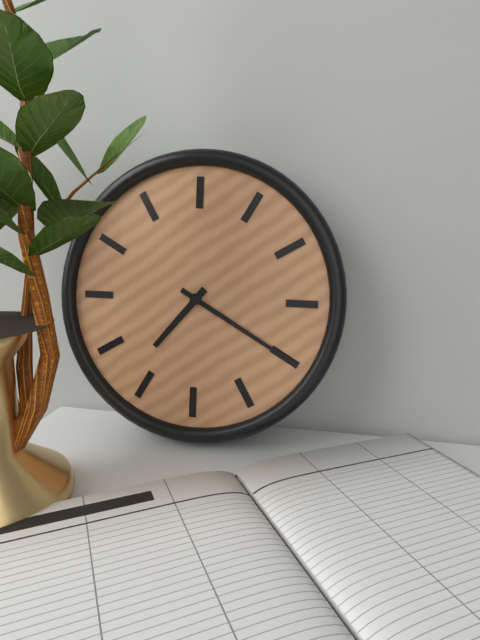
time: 7:20
